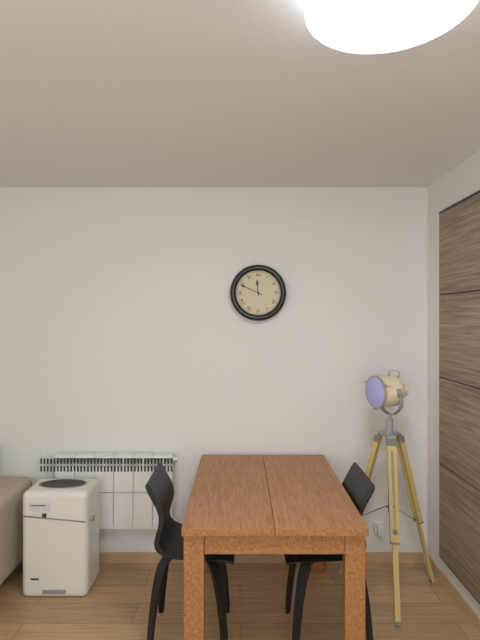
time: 11:49
